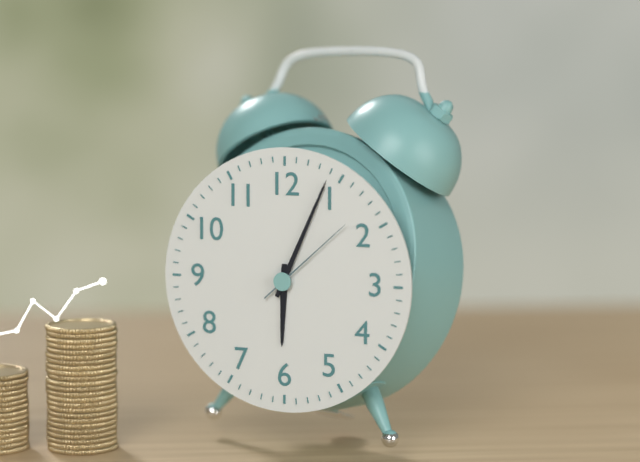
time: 6:04:08
